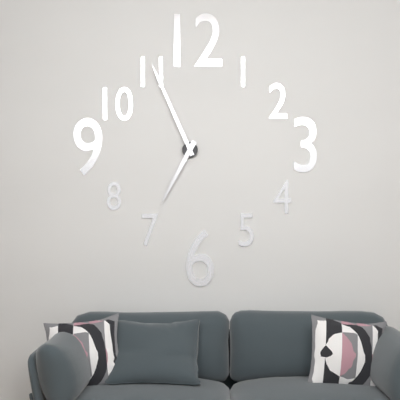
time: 6:56
